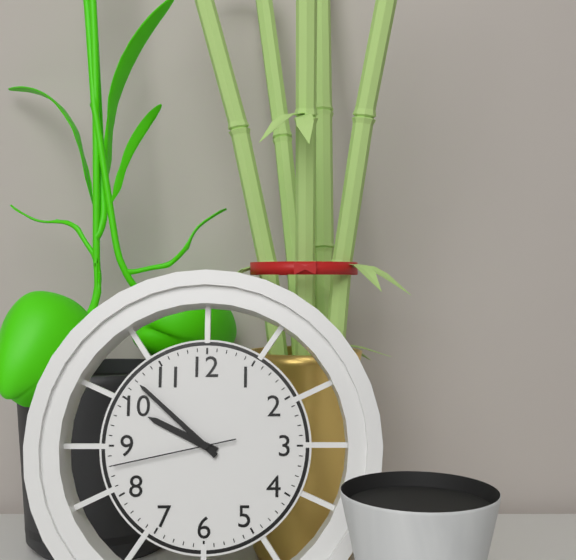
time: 9:52:43
